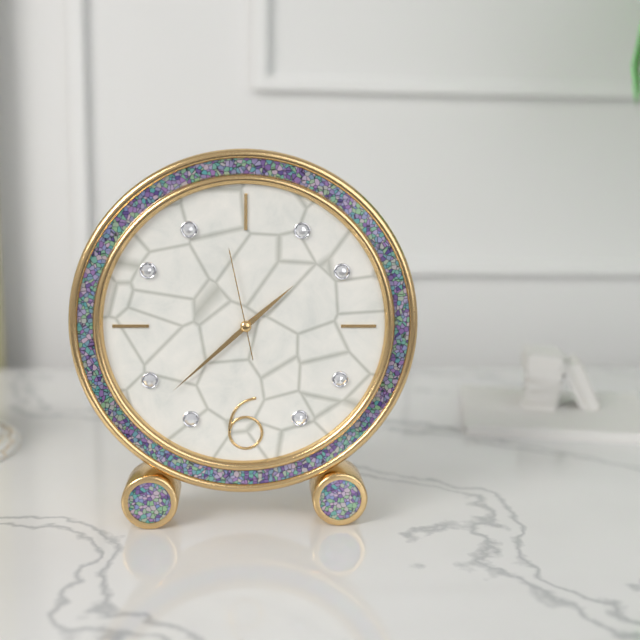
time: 1:38:58
